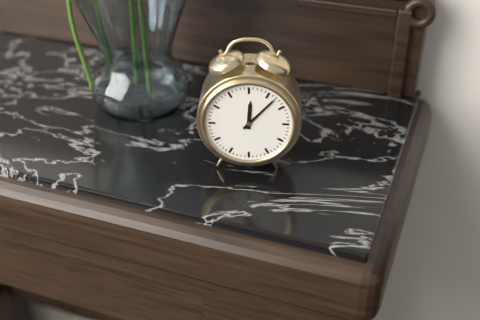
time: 12:07
